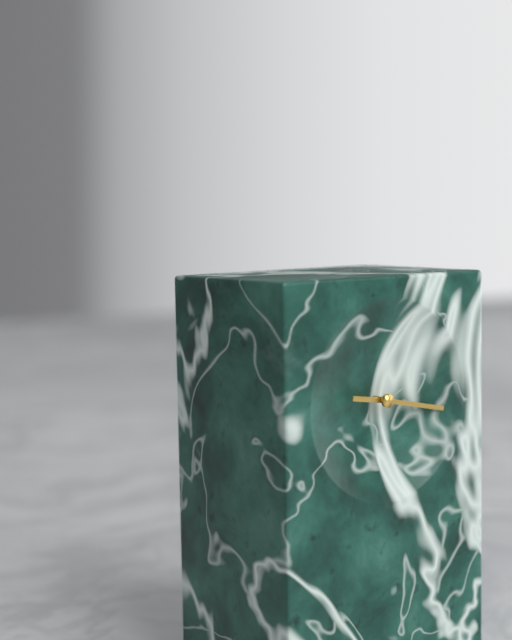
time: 9:17
